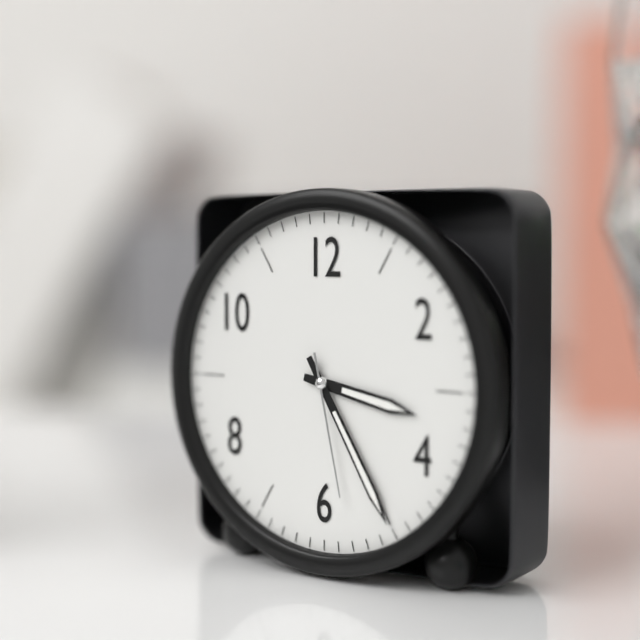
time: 3:25:28
